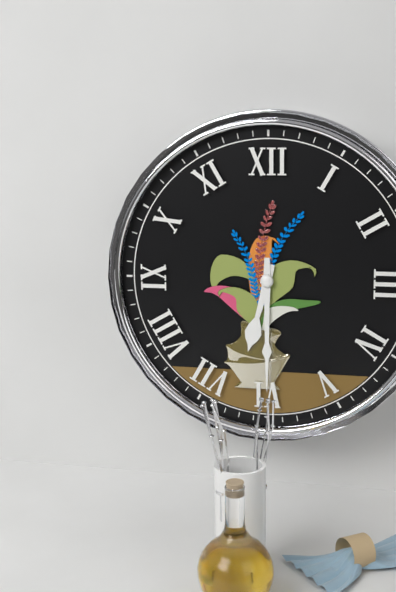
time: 6:30
